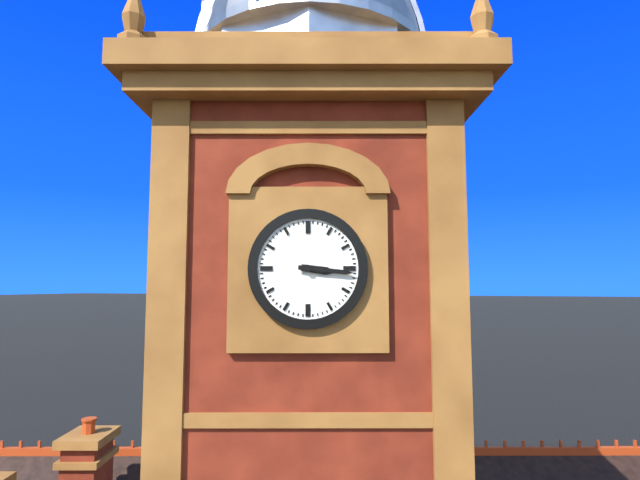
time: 3:16
